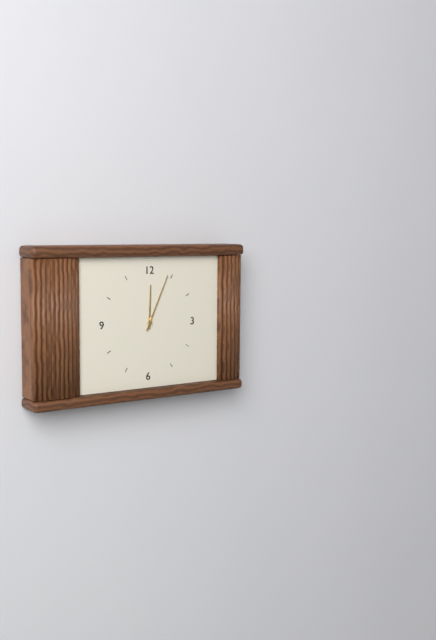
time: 12:04
